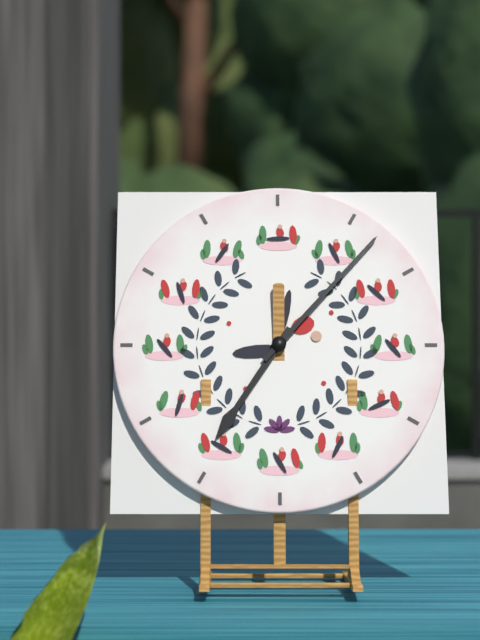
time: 7:07
